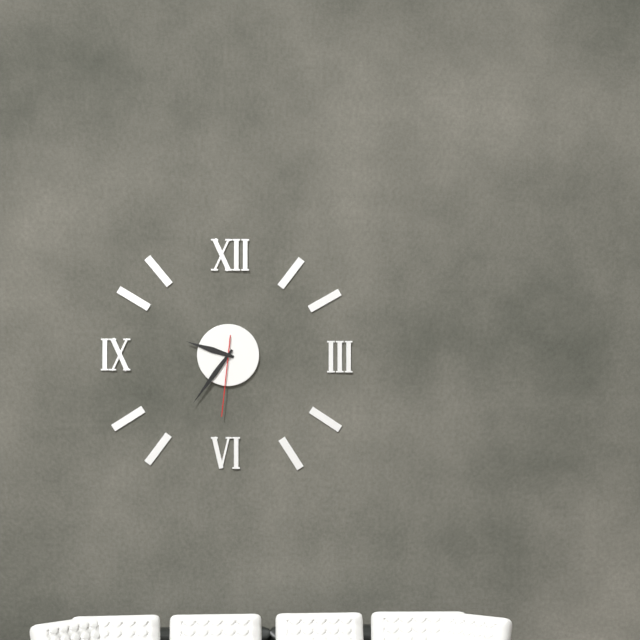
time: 9:36:31
